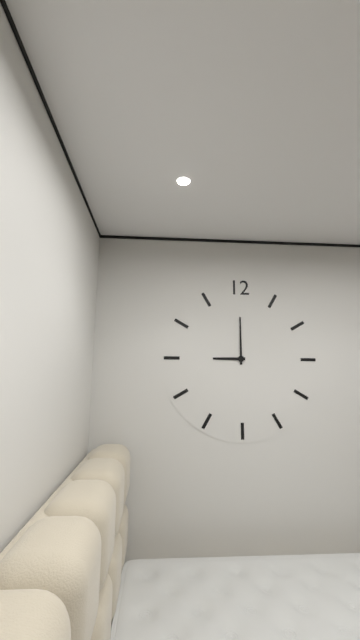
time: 9:00
